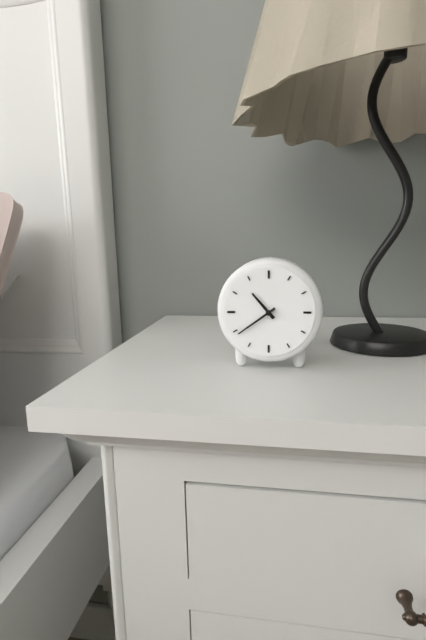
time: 10:39
